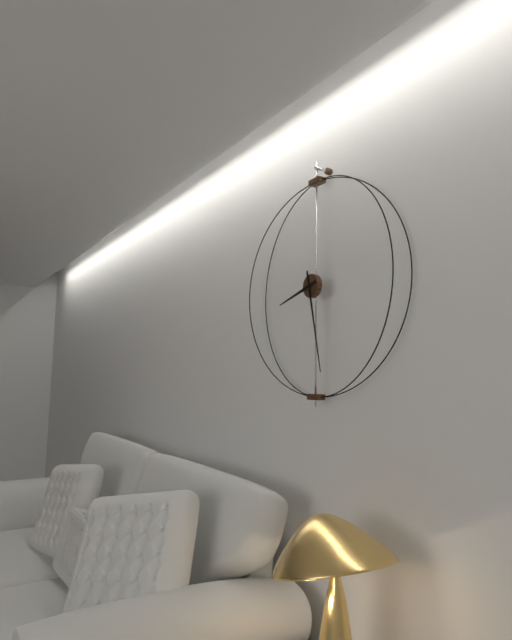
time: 8:28
